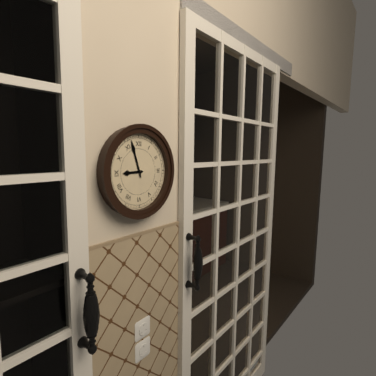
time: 8:57
